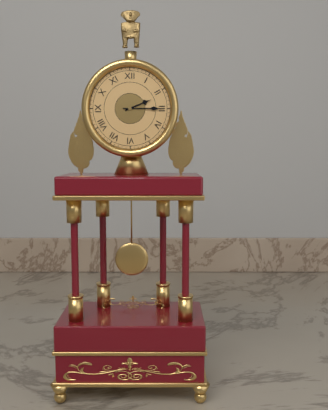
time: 2:15
